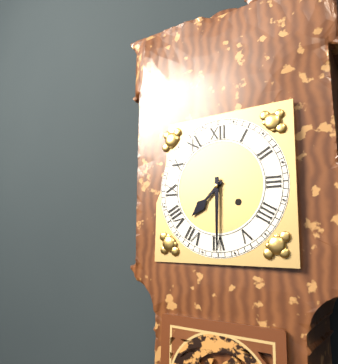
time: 7:30
